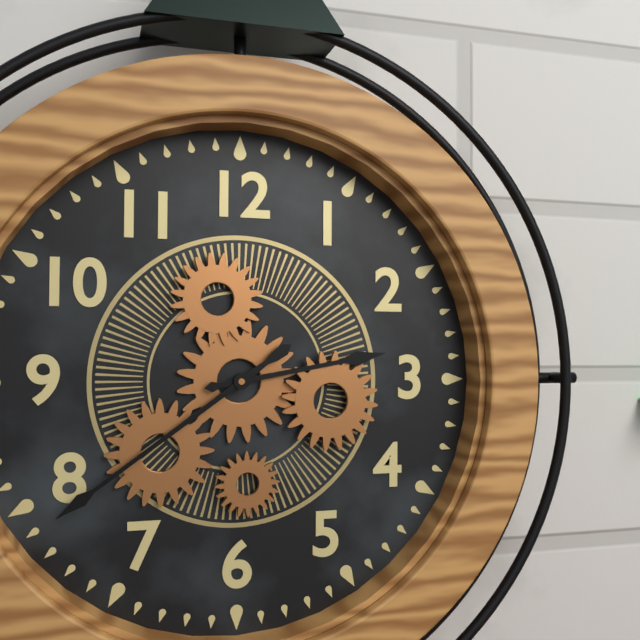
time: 2:39
